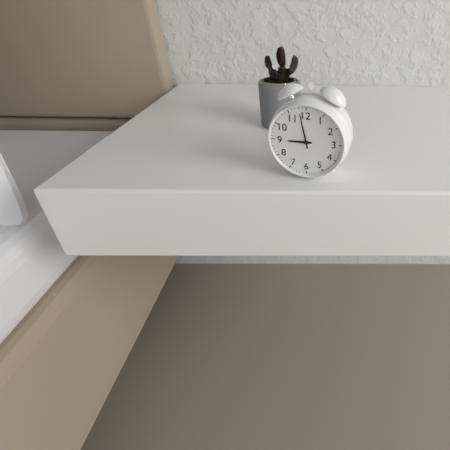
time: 8:58
